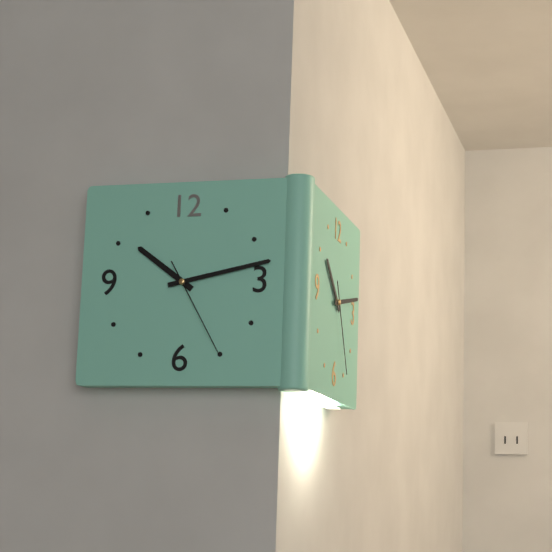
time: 10:13:25
